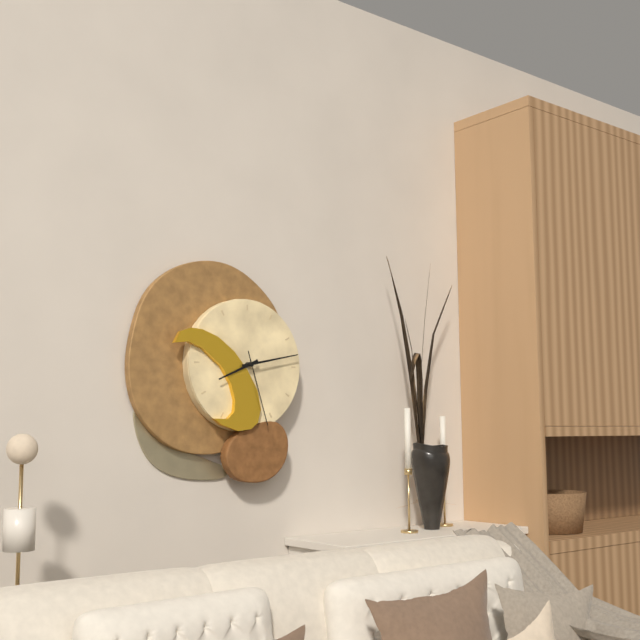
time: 8:13:27
